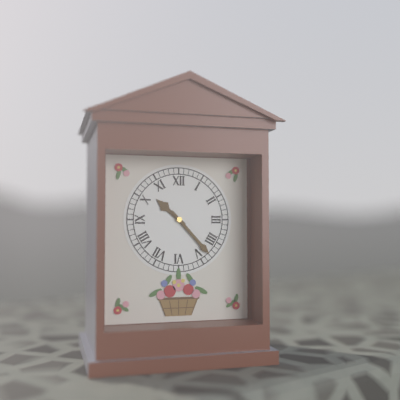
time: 10:23
